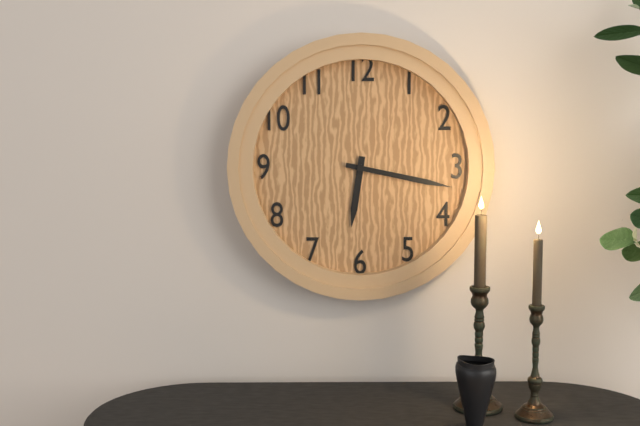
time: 6:17
